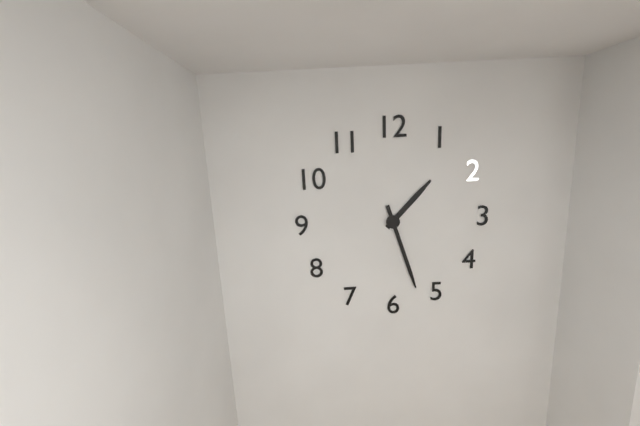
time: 1:27
